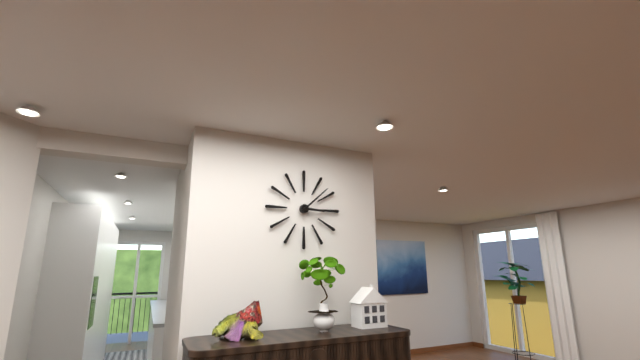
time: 3:08
